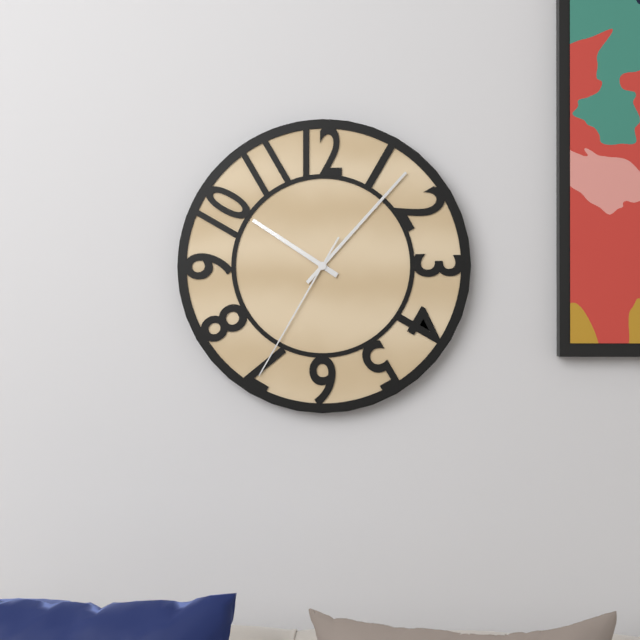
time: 10:07:35
